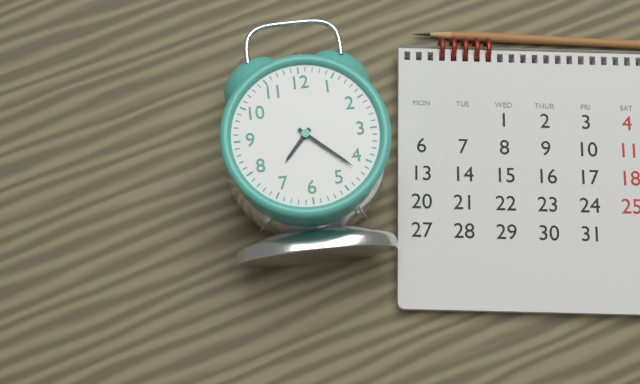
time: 7:22
